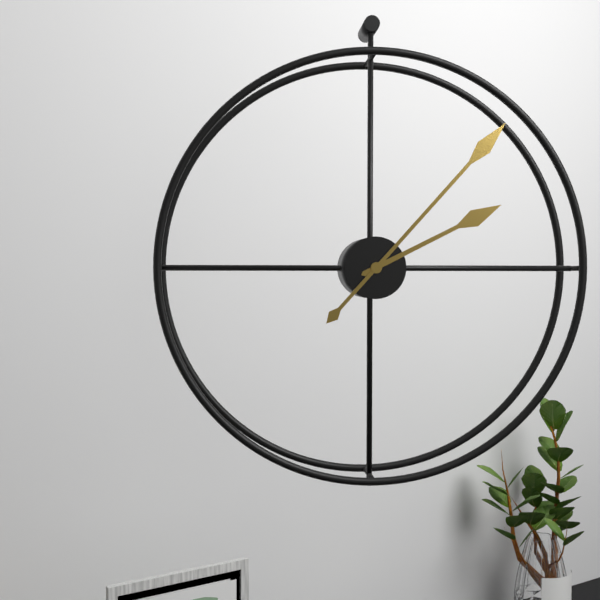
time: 2:07
